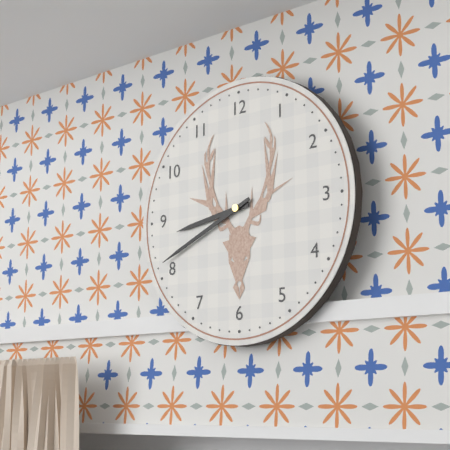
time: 8:41
